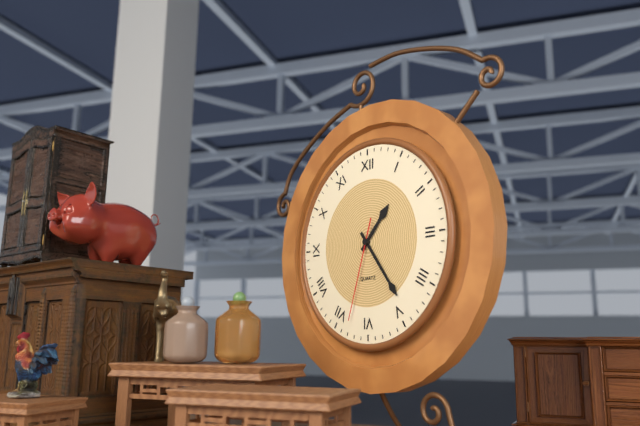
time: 1:24:33
